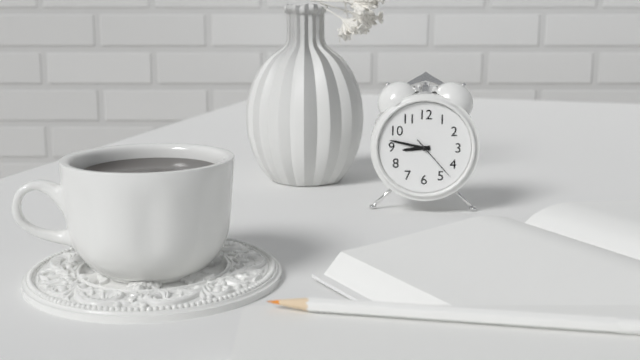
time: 8:47
